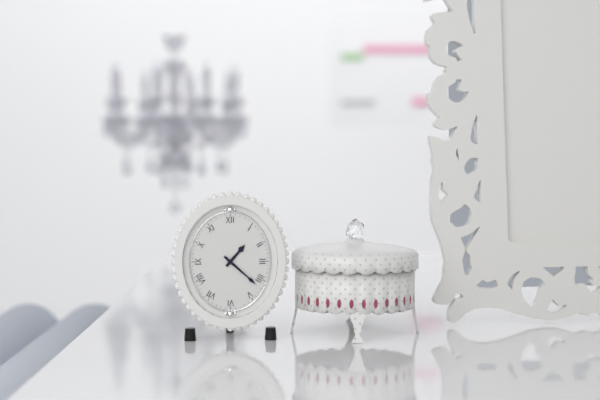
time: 1:22
